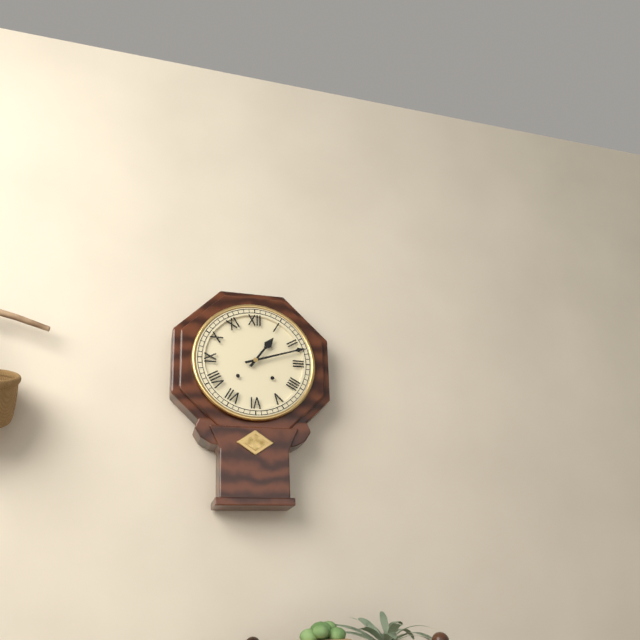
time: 1:12
